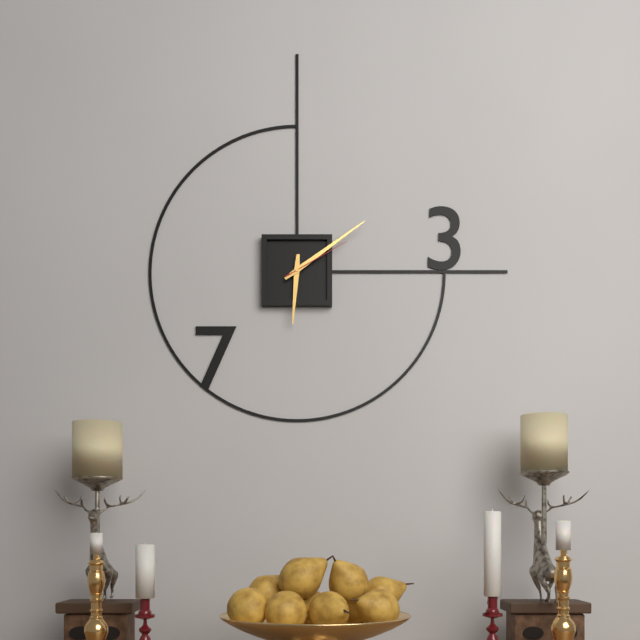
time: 6:09:10
